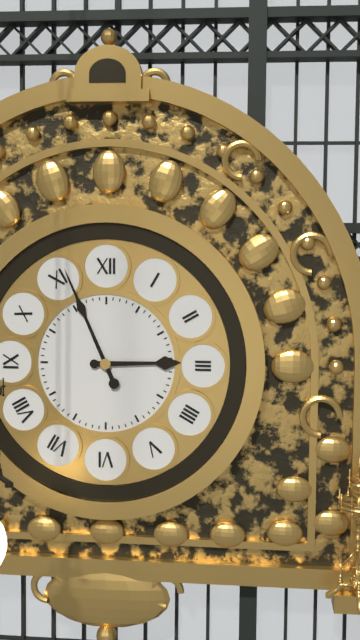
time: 2:56
